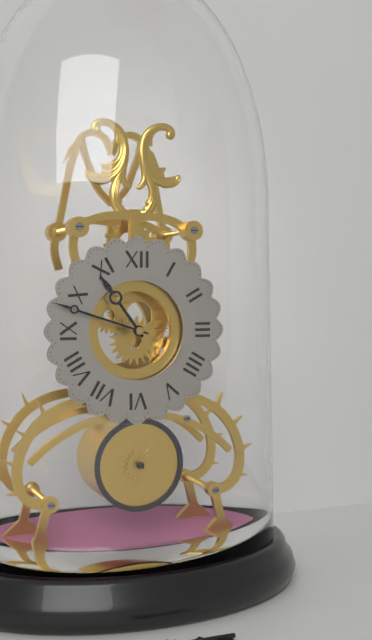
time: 10:48
